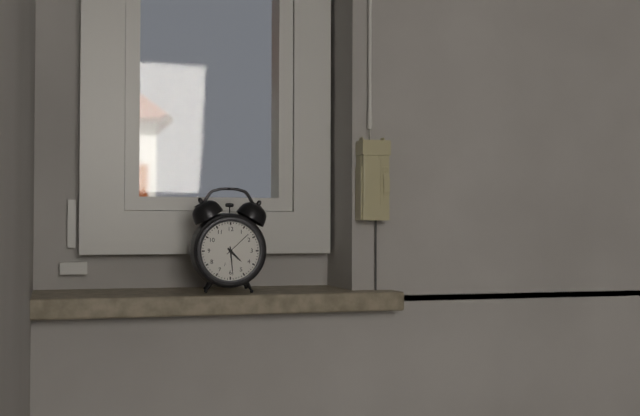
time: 4:29
